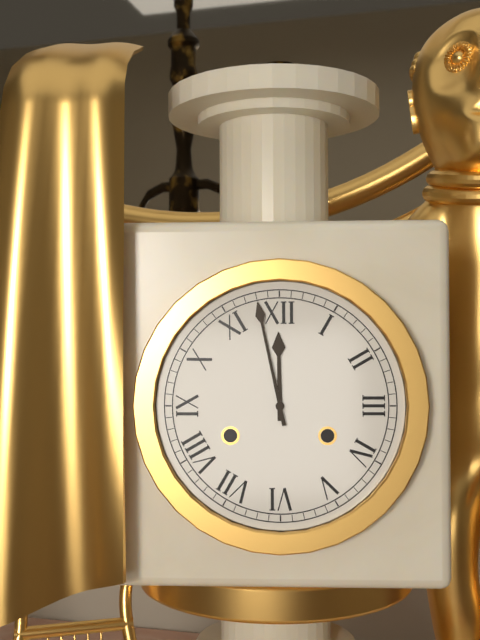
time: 11:58
